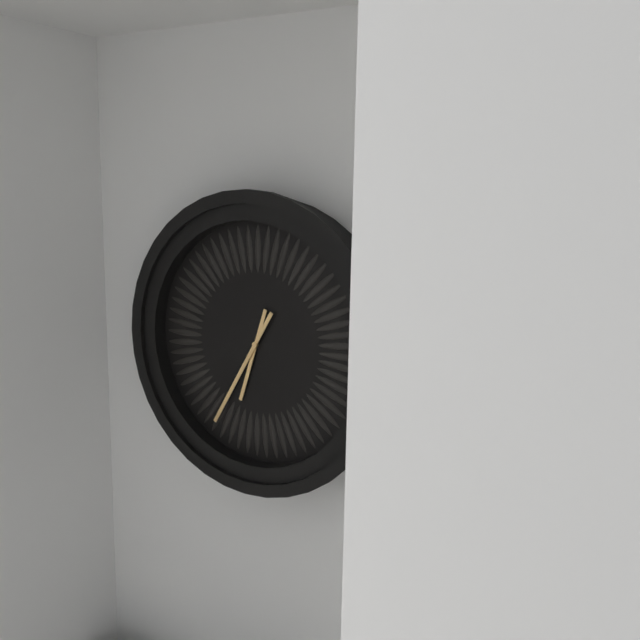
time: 6:35
